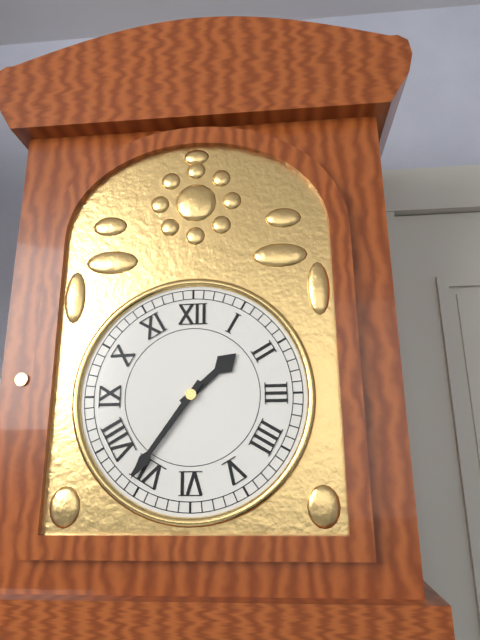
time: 1:36
